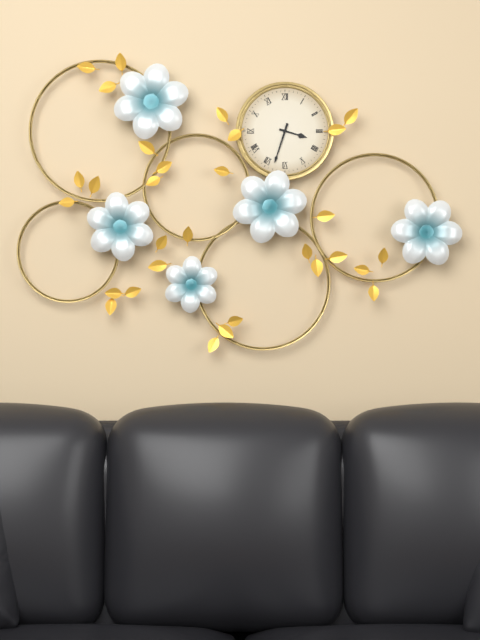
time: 3:33
